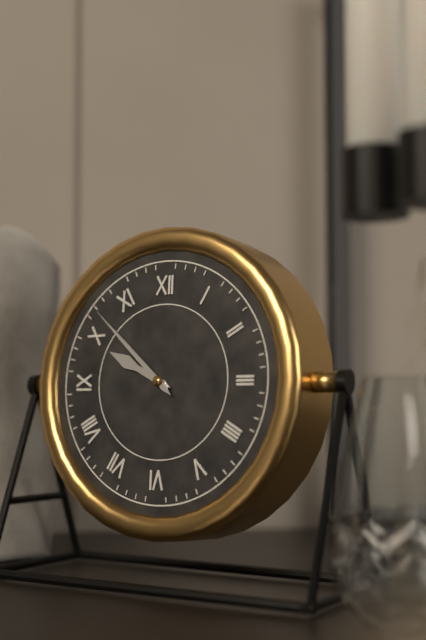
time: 9:52
